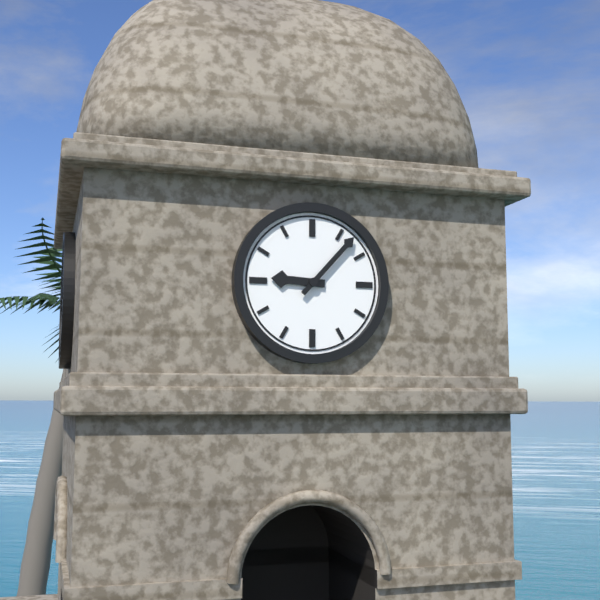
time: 9:07
